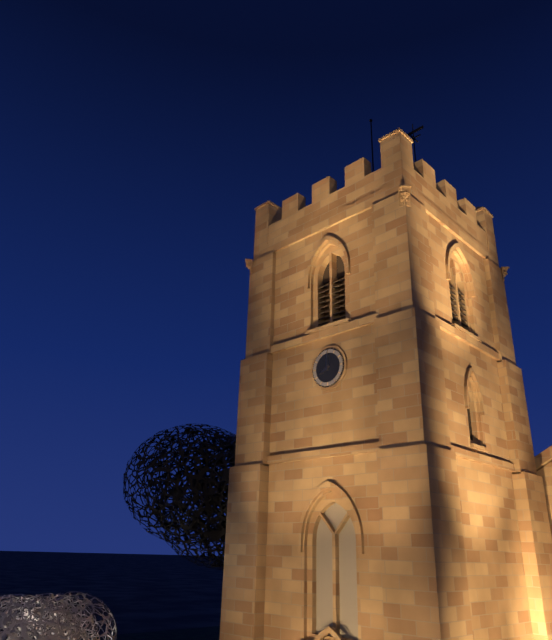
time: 8:00
